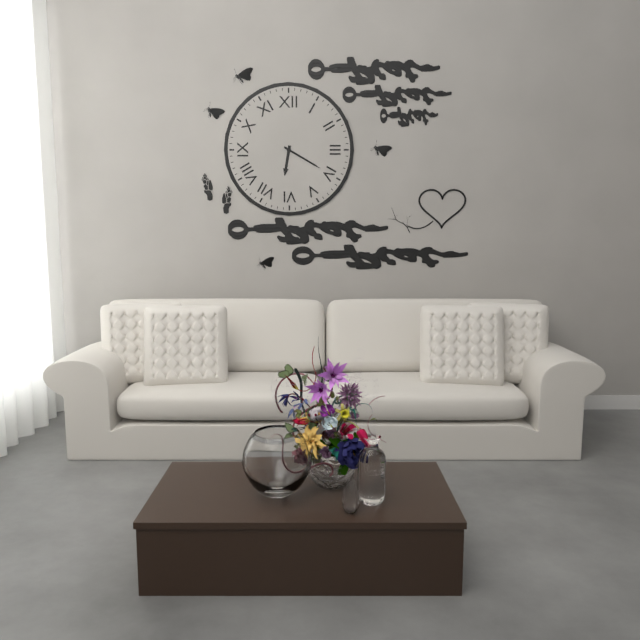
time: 6:20
